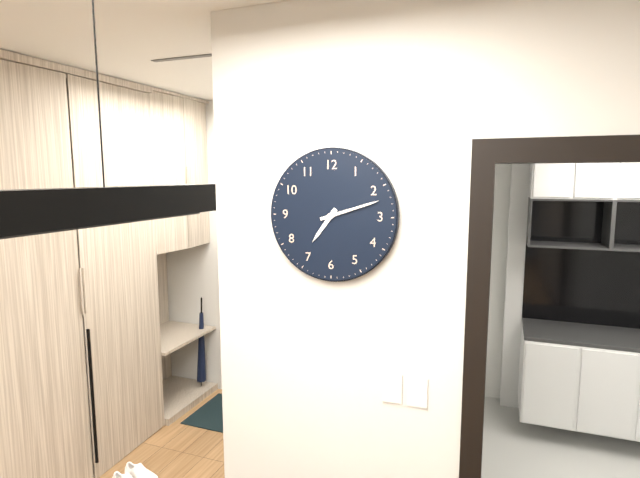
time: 7:12
